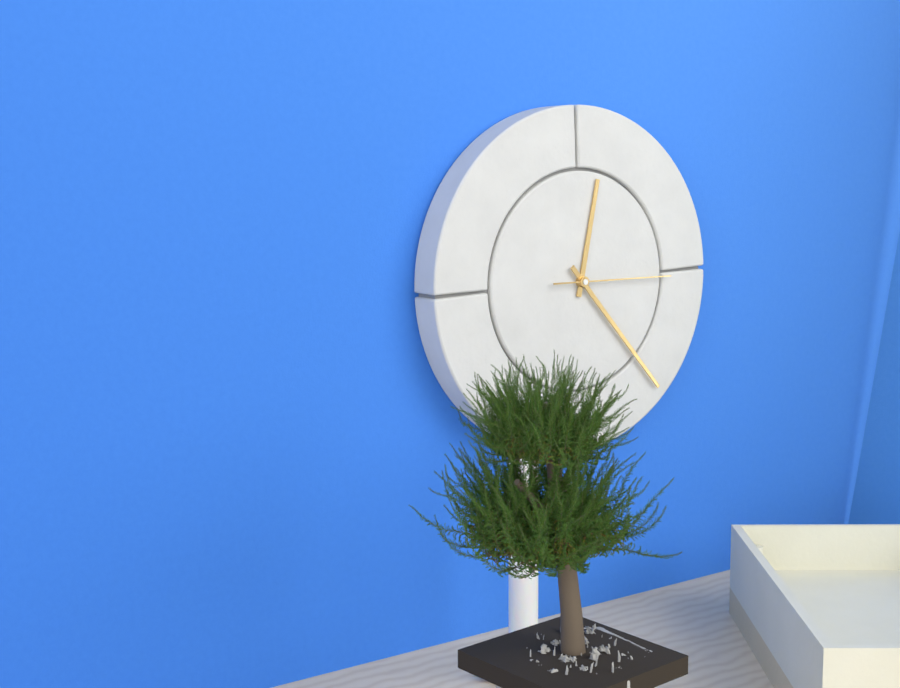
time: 12:23:15
